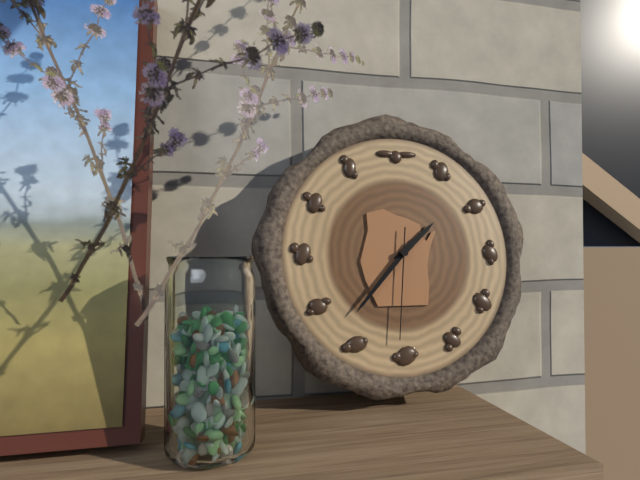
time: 1:37:31
